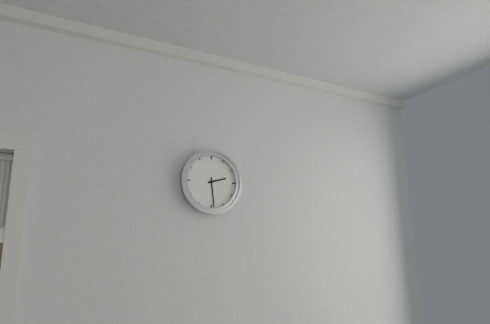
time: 2:29
